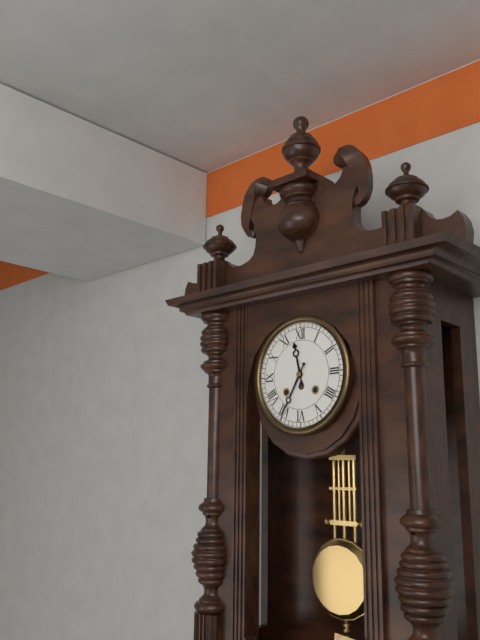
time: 11:35
